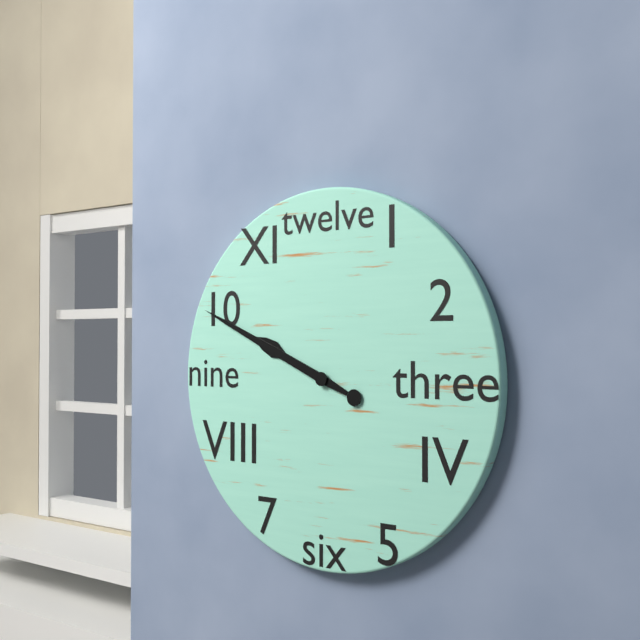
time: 9:49
